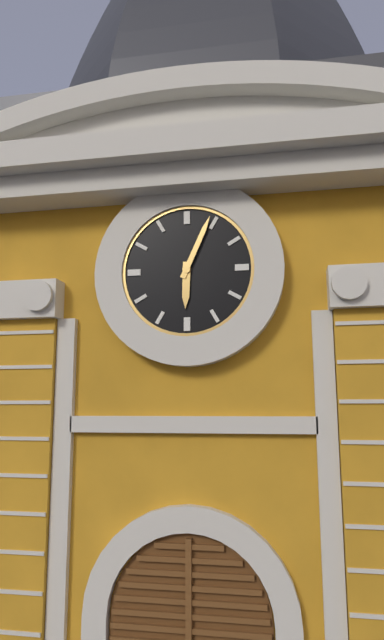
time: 6:04
